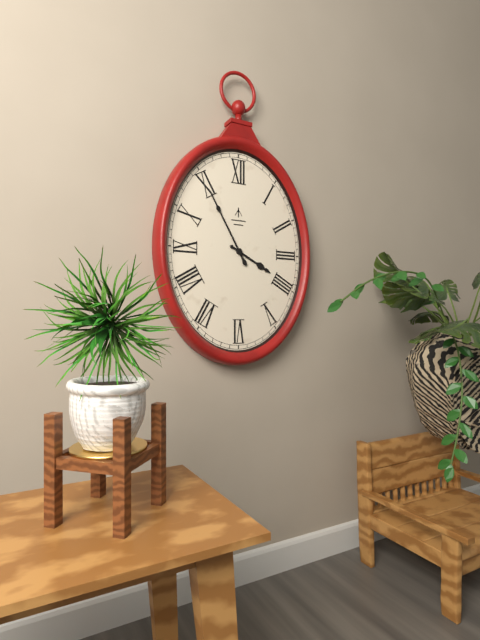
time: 3:55
